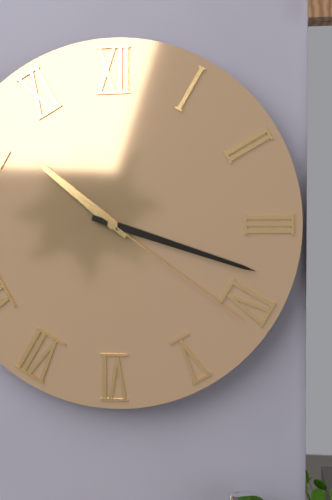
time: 10:18:21
